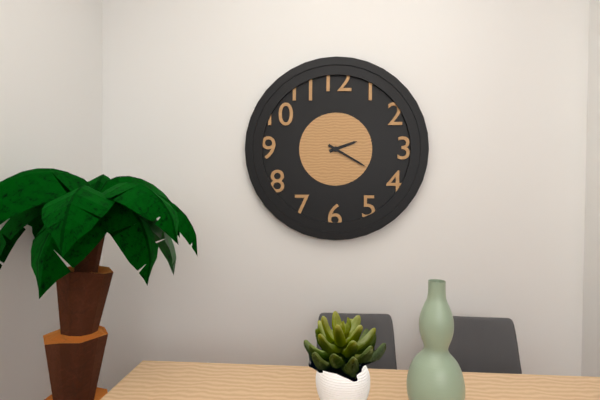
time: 2:20
